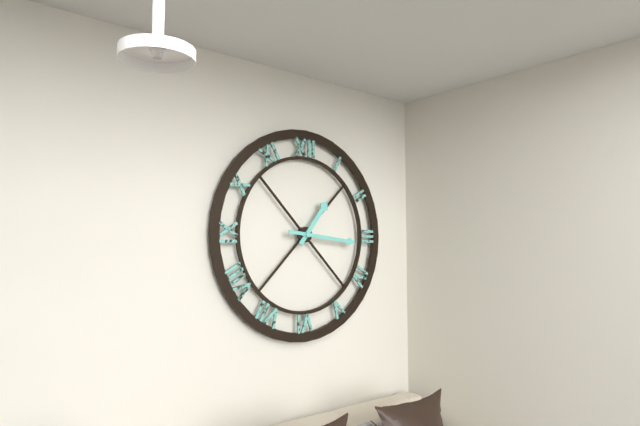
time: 1:16
